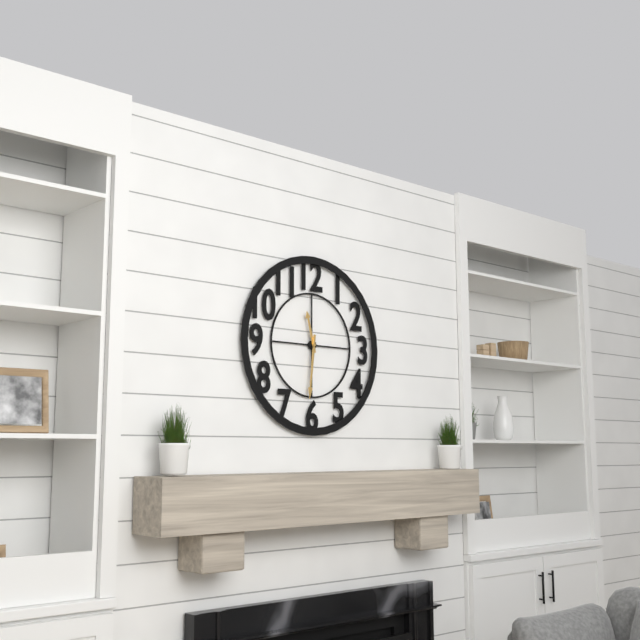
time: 11:31
